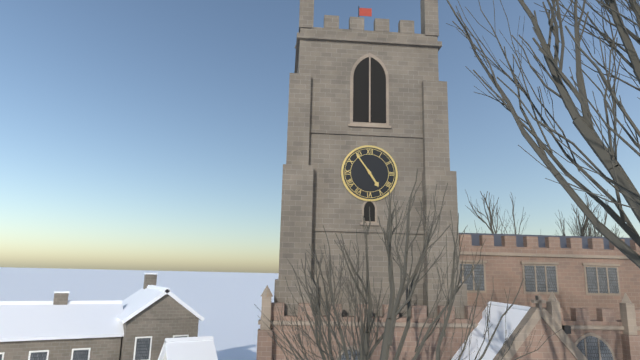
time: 4:54
